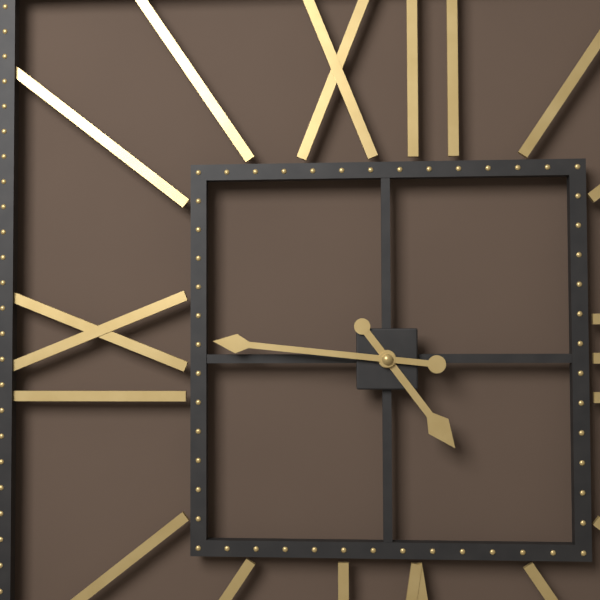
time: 4:46
